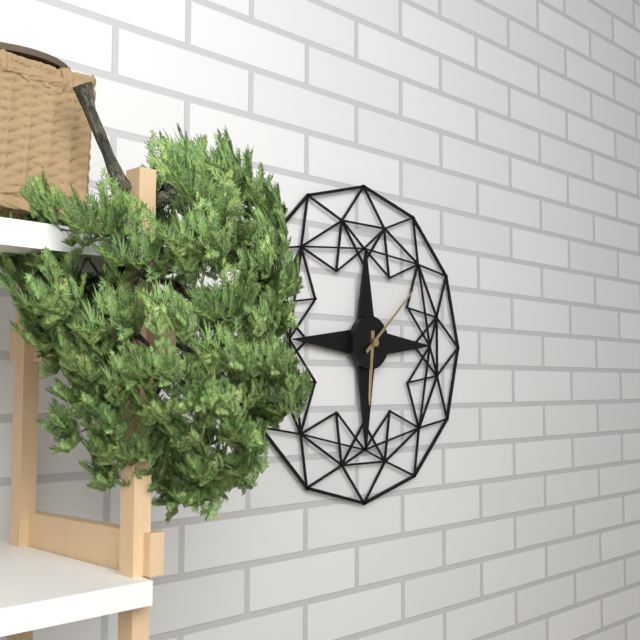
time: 6:08
